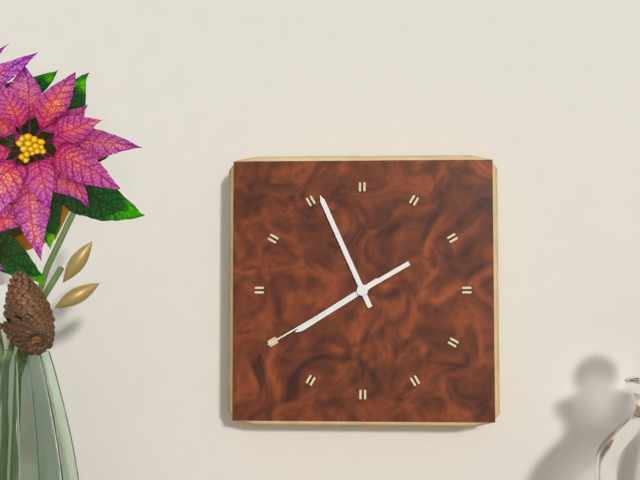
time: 7:56:40
